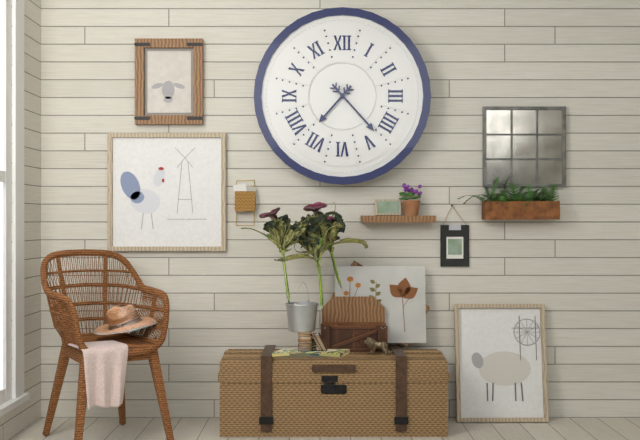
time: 7:23
